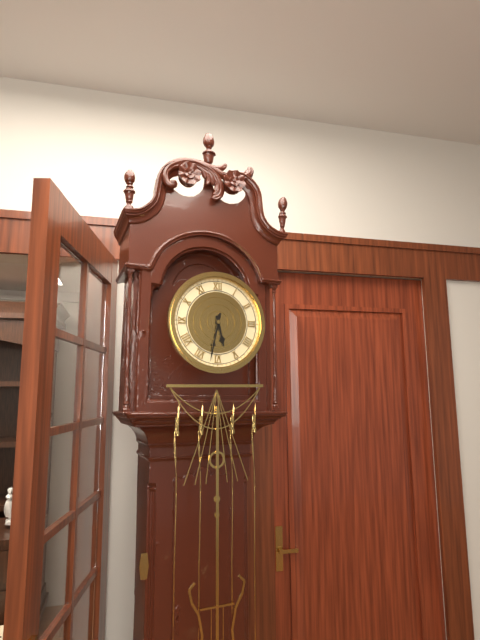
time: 5:32
